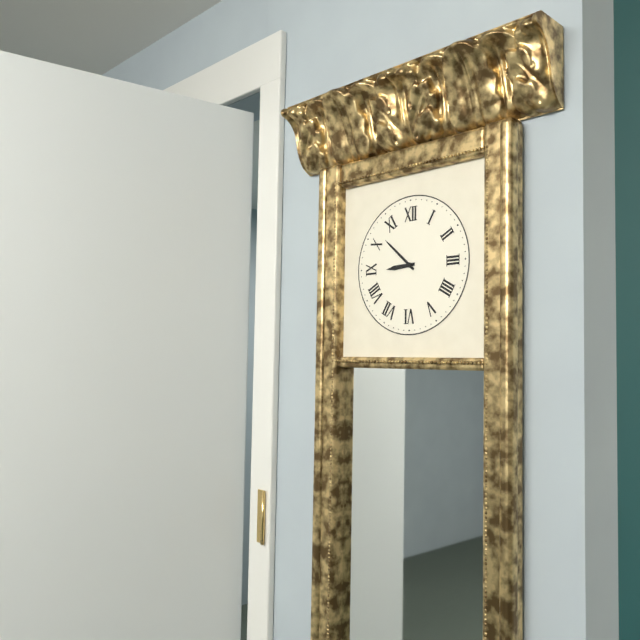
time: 8:52
